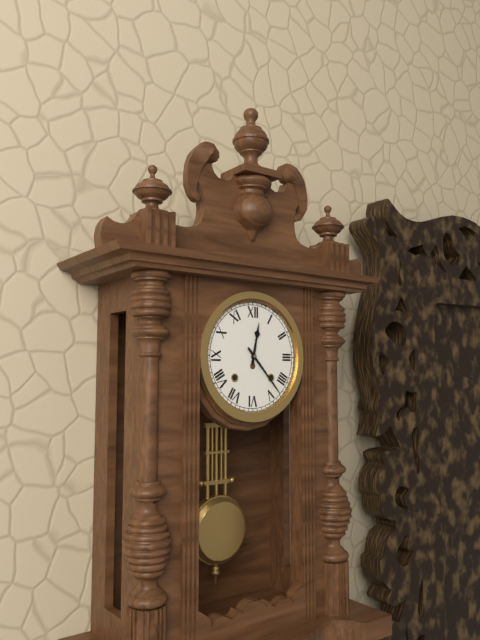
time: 12:23
